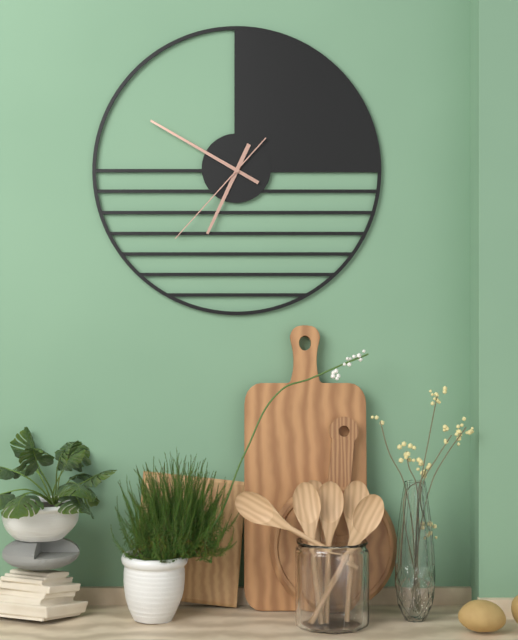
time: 6:50:37
